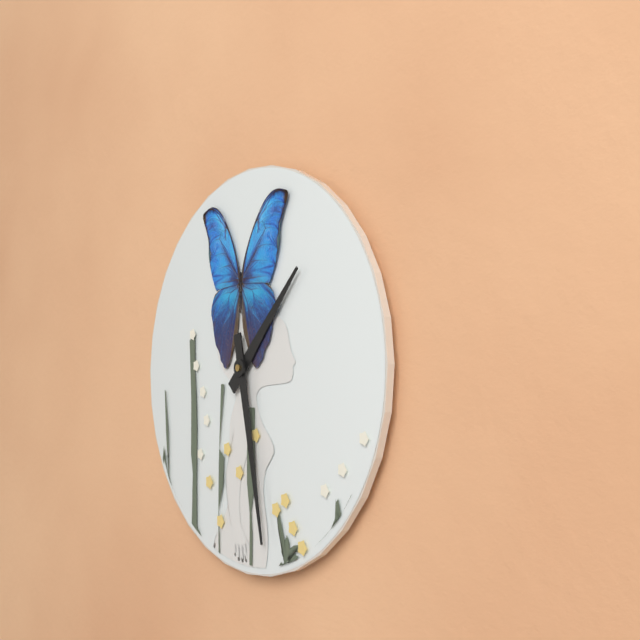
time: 1:28
